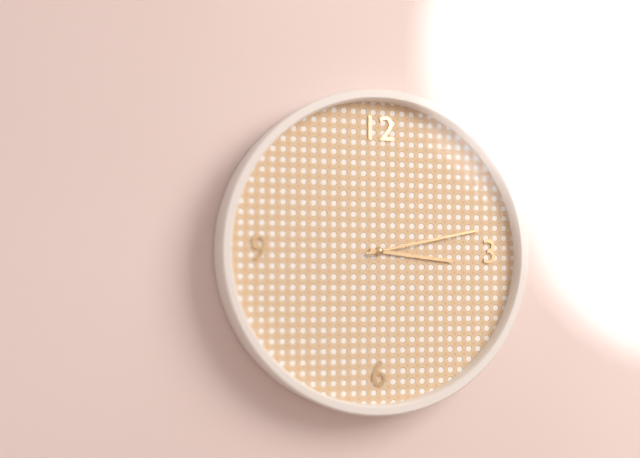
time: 3:13
